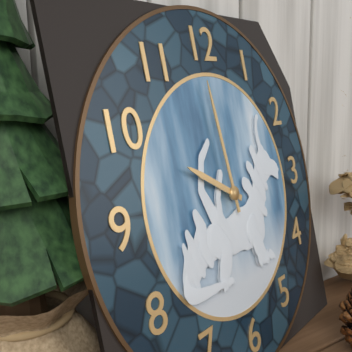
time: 9:59
